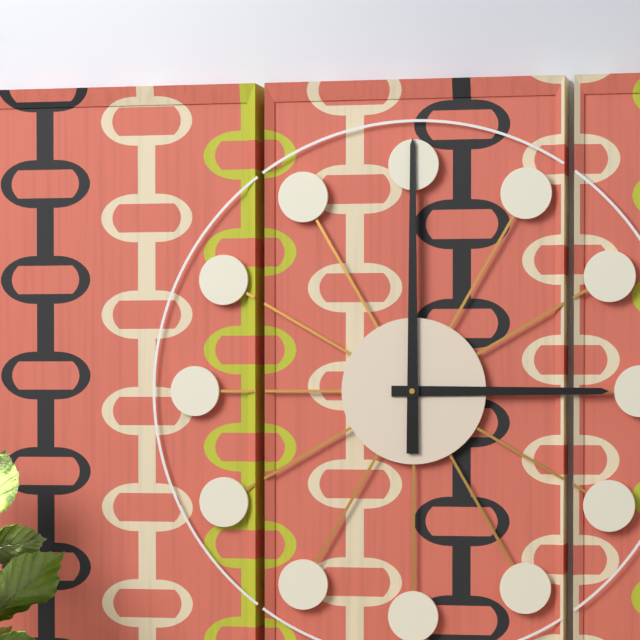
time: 3:00
